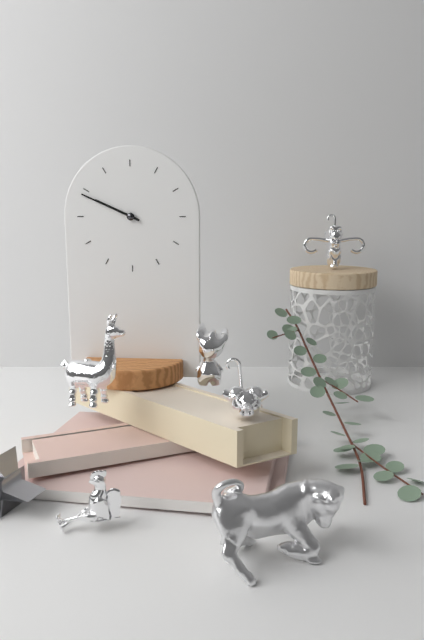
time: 9:49
